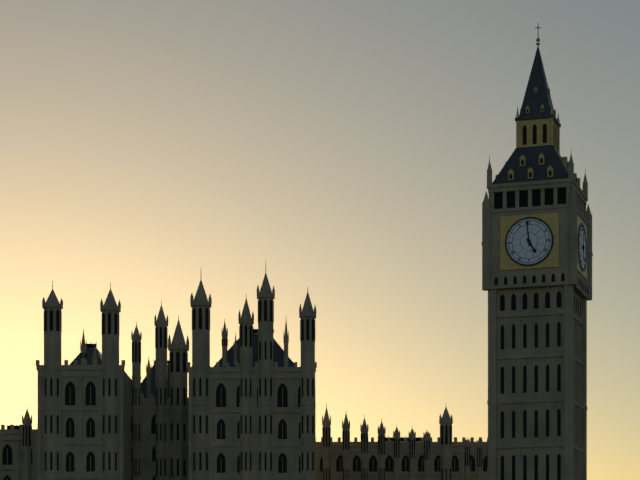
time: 4:59
